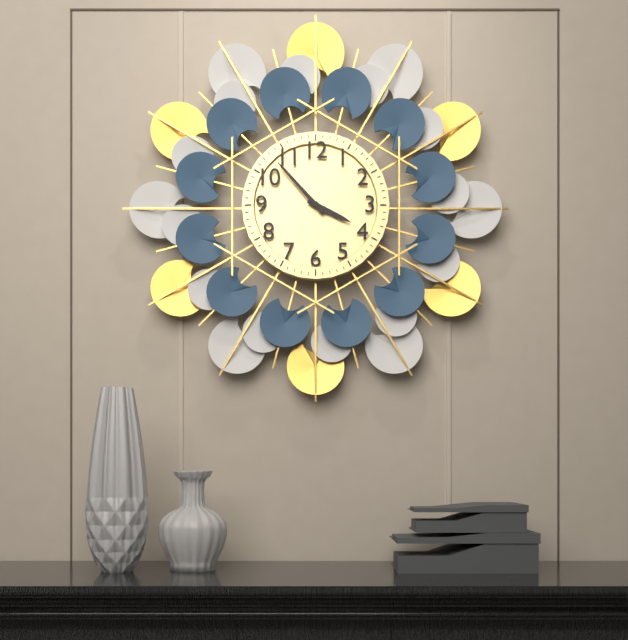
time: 3:53
